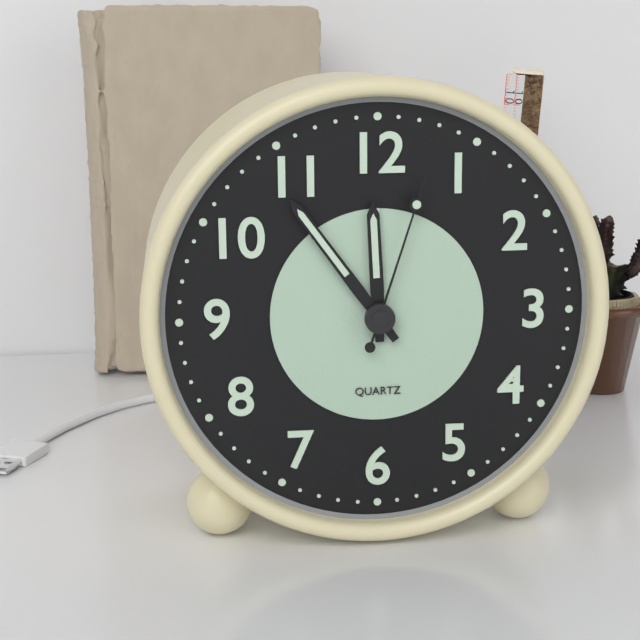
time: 11:54:03
